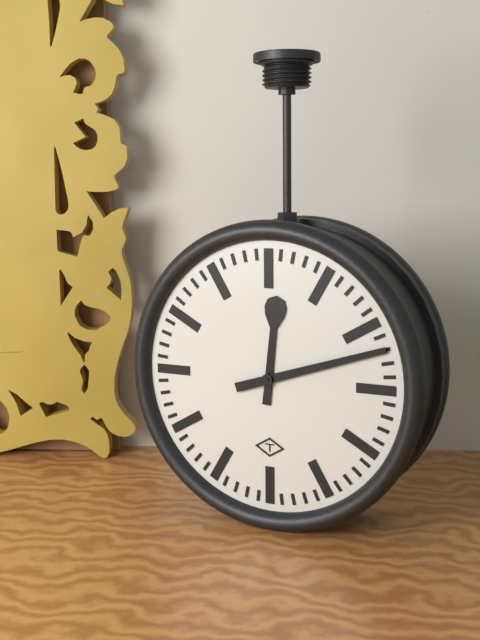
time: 12:12
